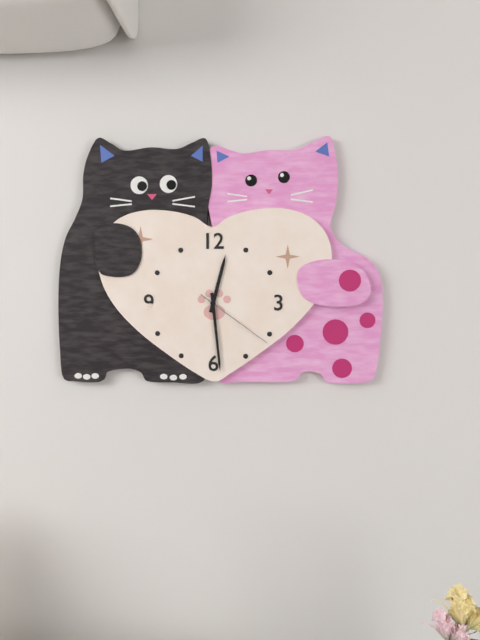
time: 12:29:21
